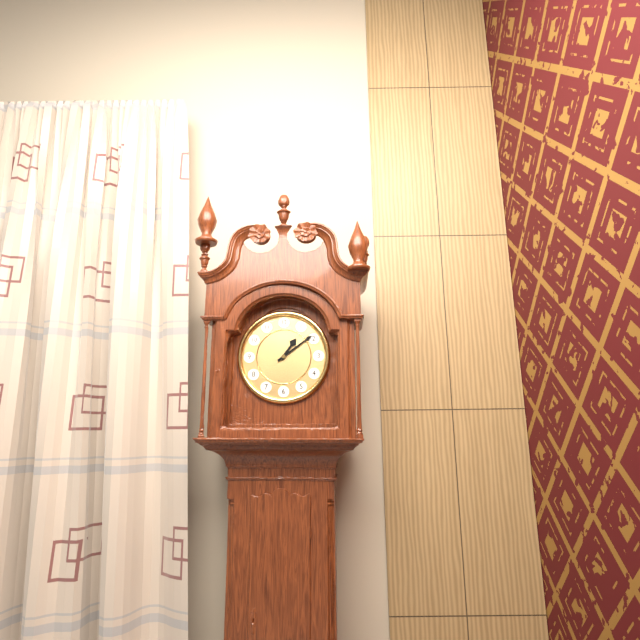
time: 1:09
